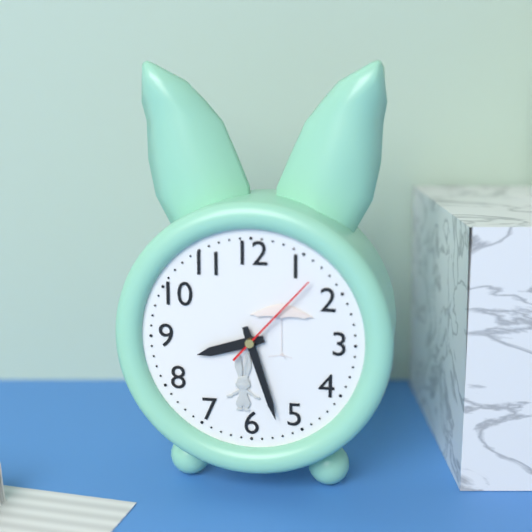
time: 8:27:07
